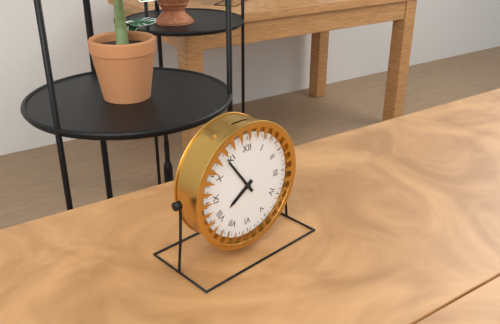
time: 7:54
